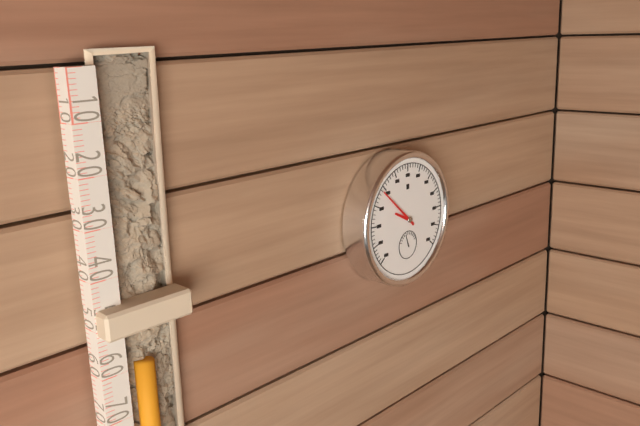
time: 9:52
